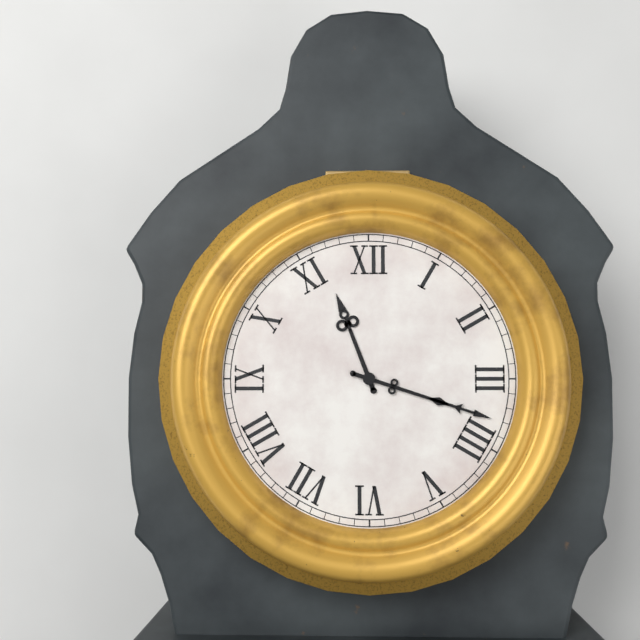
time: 11:18
